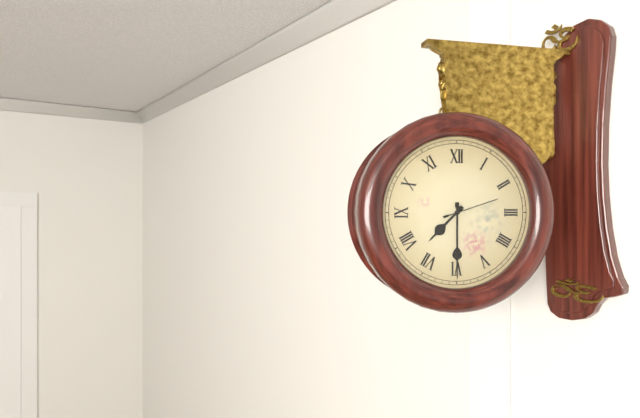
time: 7:30:12
